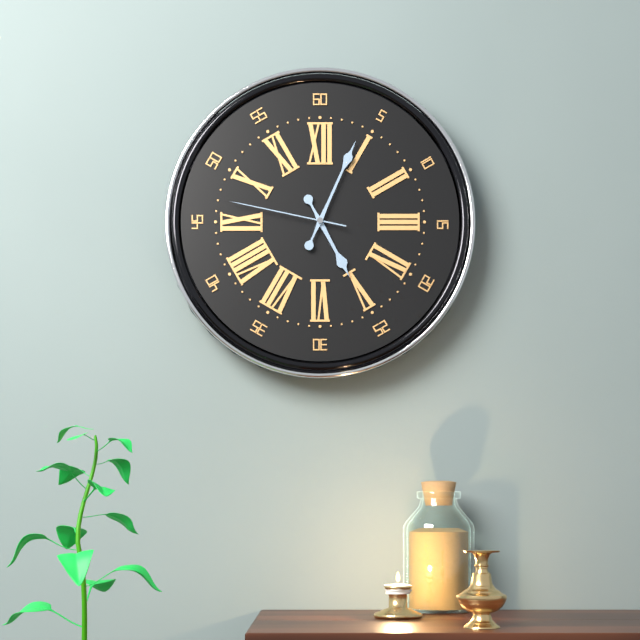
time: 5:04:47
